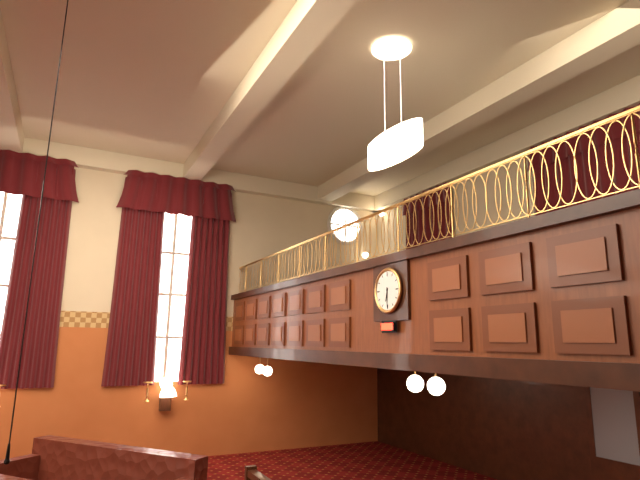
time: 6:30
